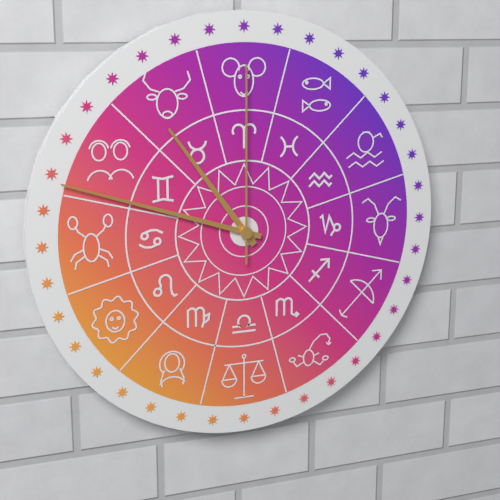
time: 10:48:00
